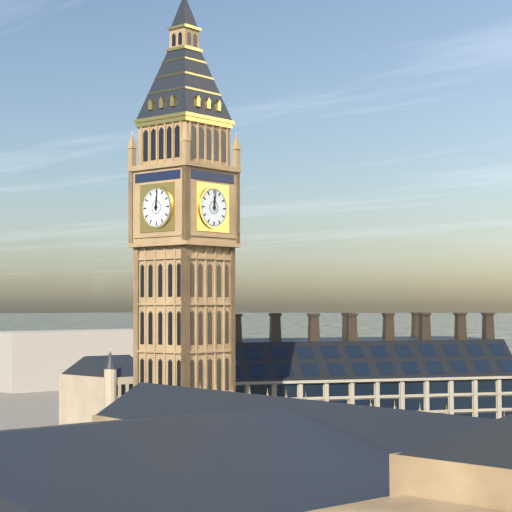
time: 12:01
